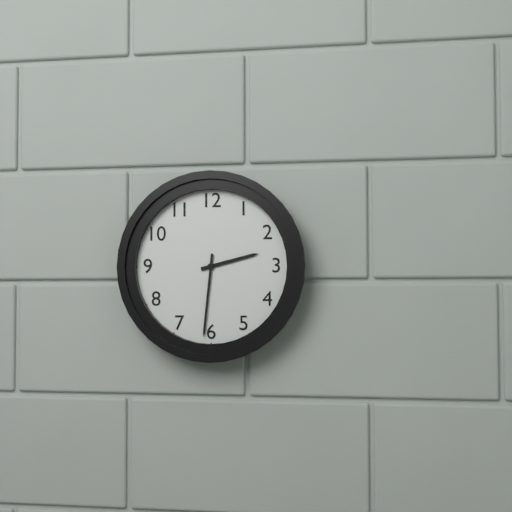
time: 2:31
